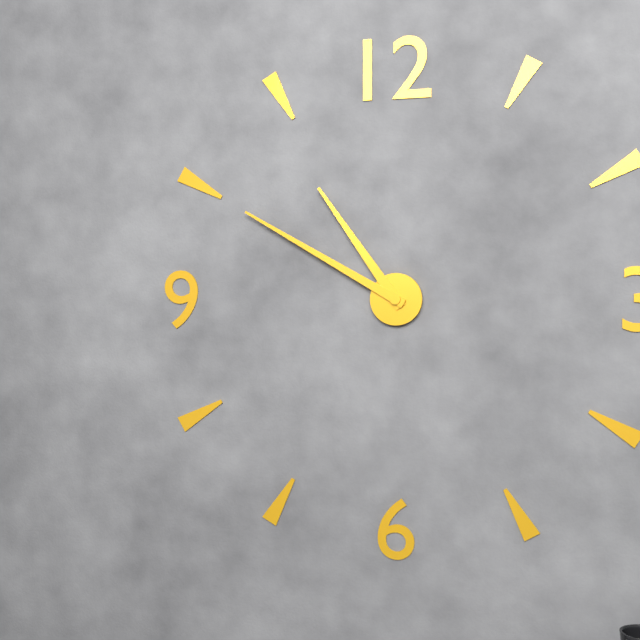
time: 10:50
